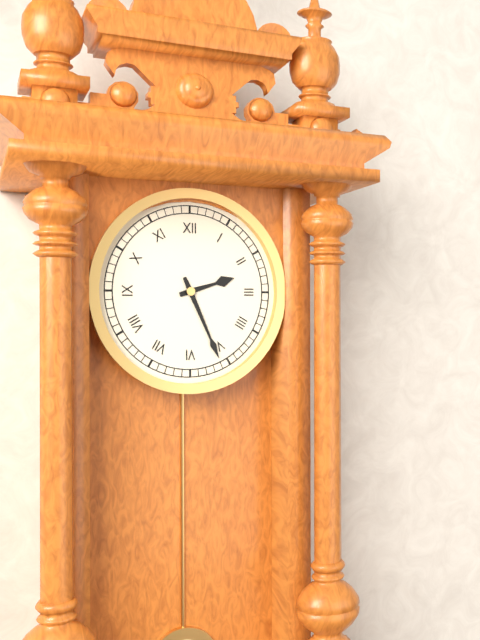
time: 2:26
